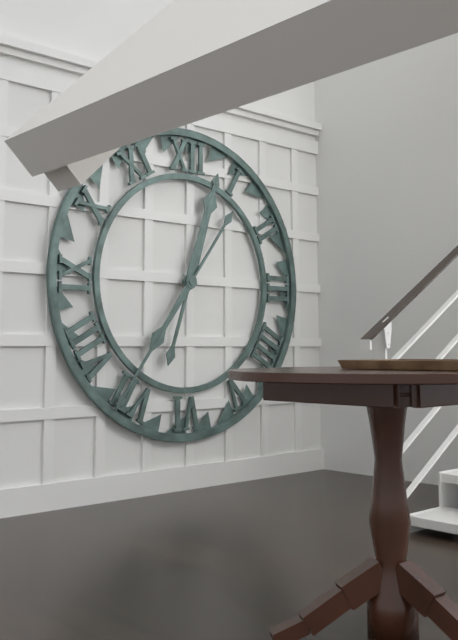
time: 12:36
